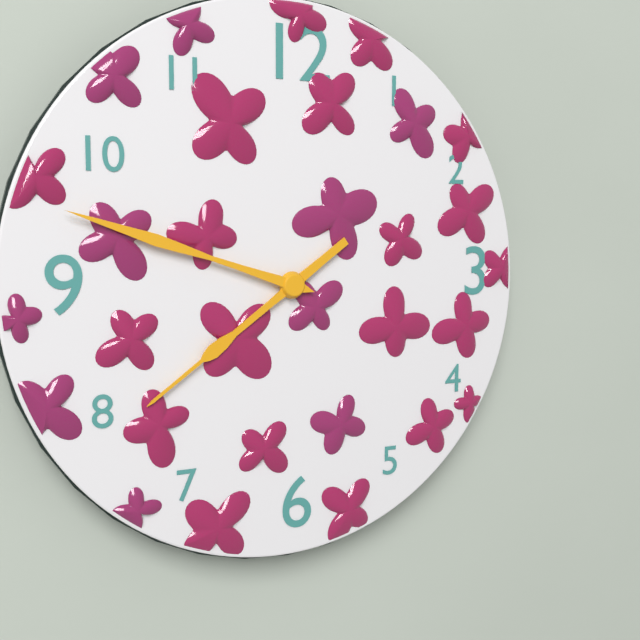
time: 7:48
